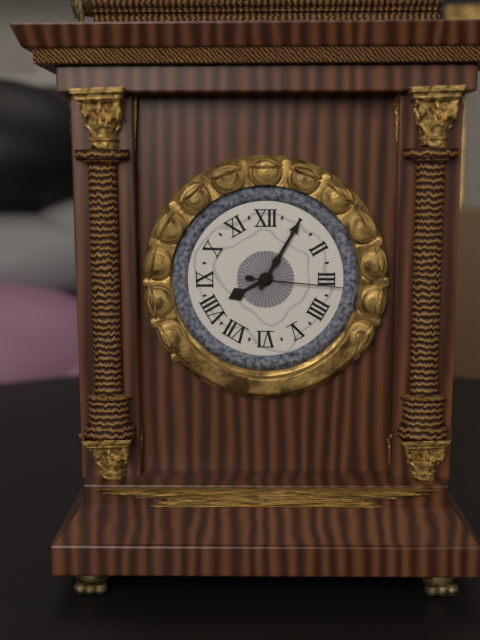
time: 8:05:16
